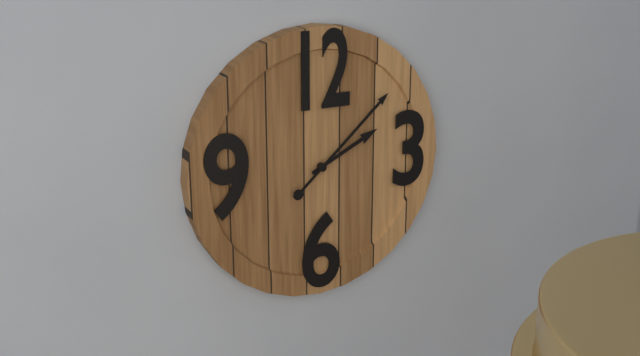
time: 2:08
